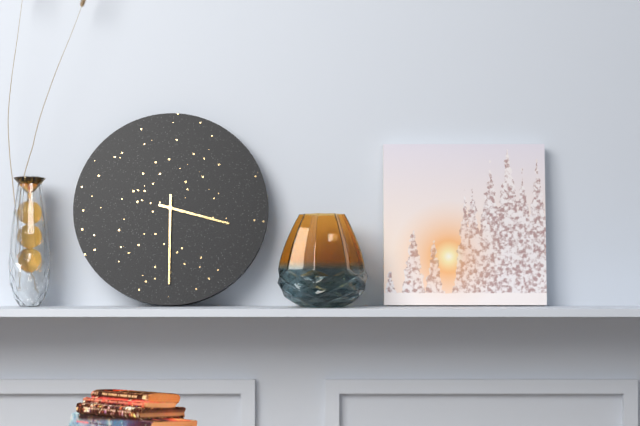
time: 3:30
